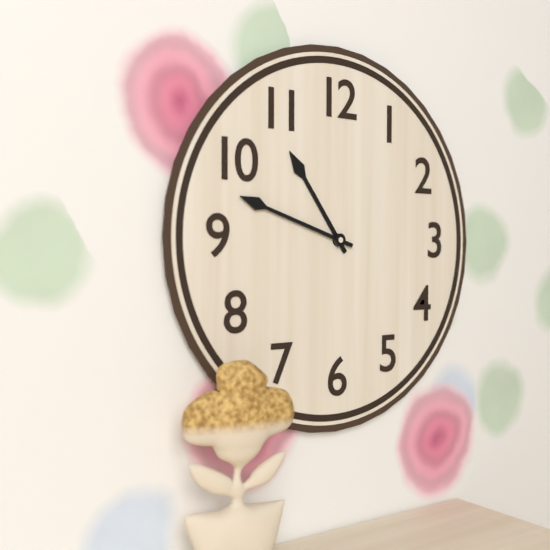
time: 10:48
